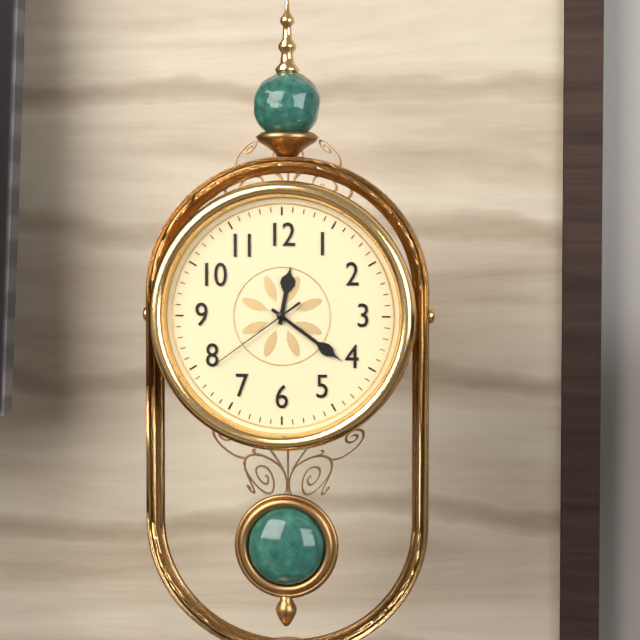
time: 12:21:39
